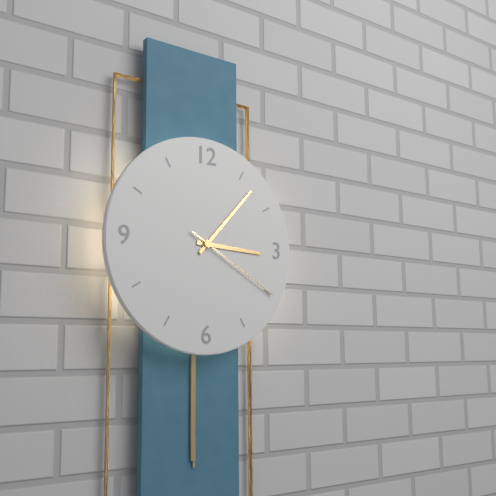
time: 3:07:20
